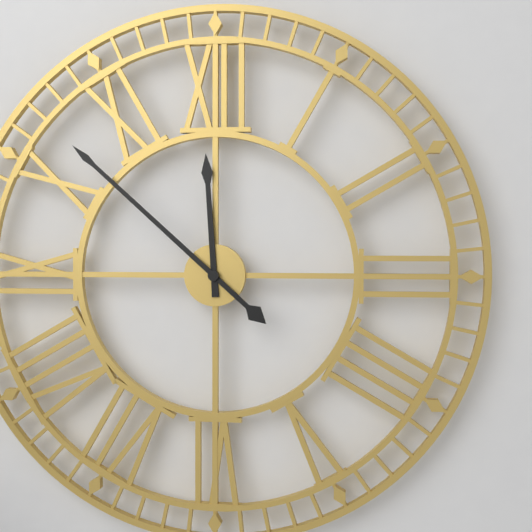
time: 11:52
